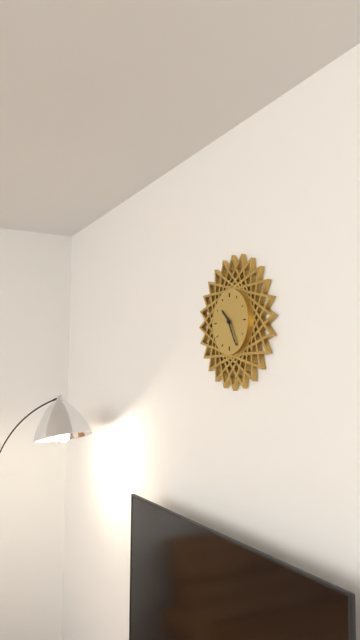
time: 10:25
